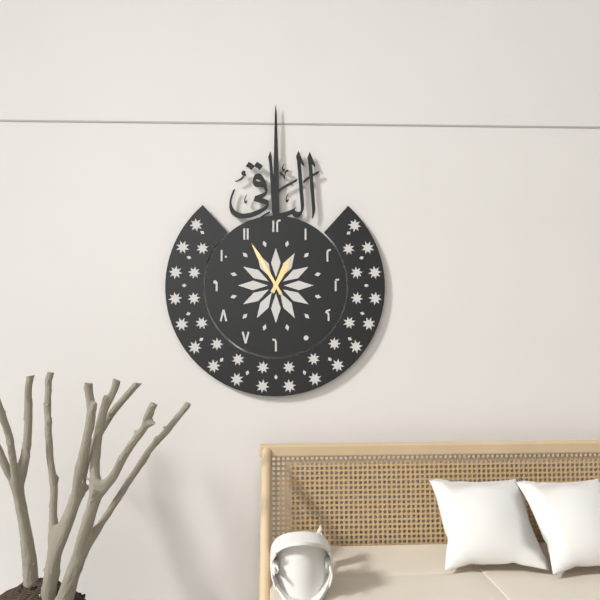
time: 12:55
